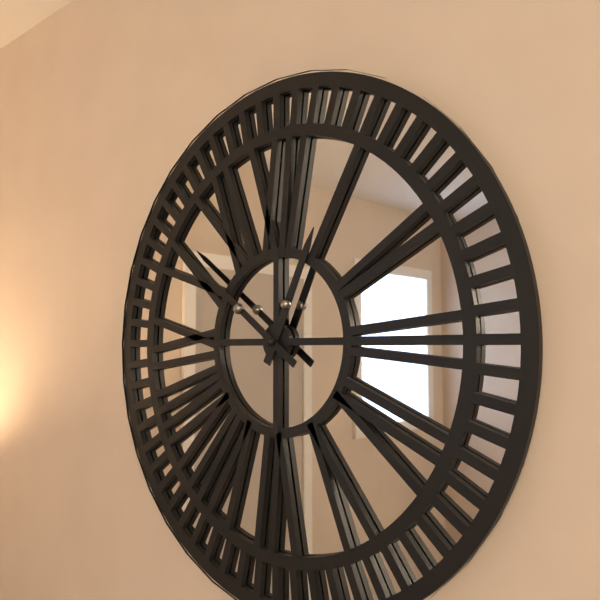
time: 12:51
